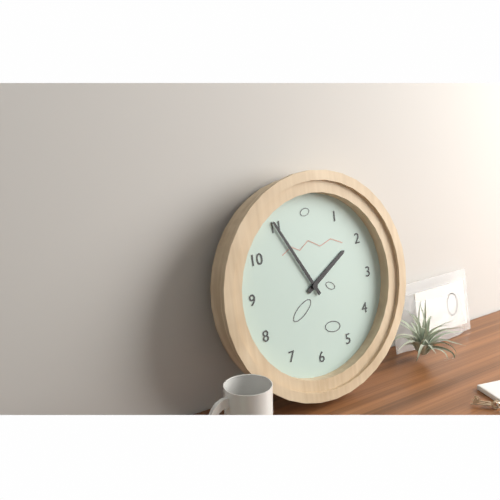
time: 1:55
